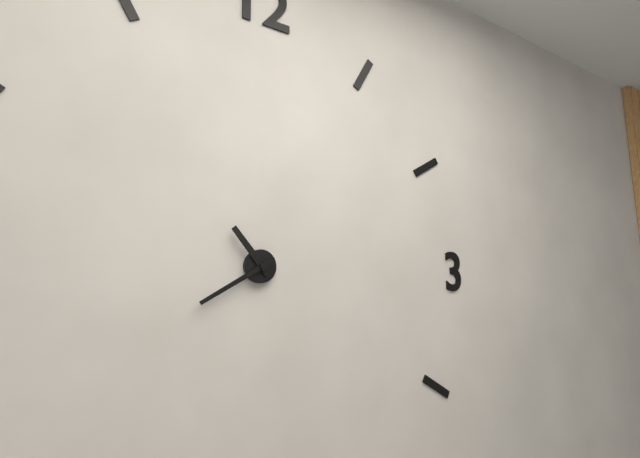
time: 10:40
